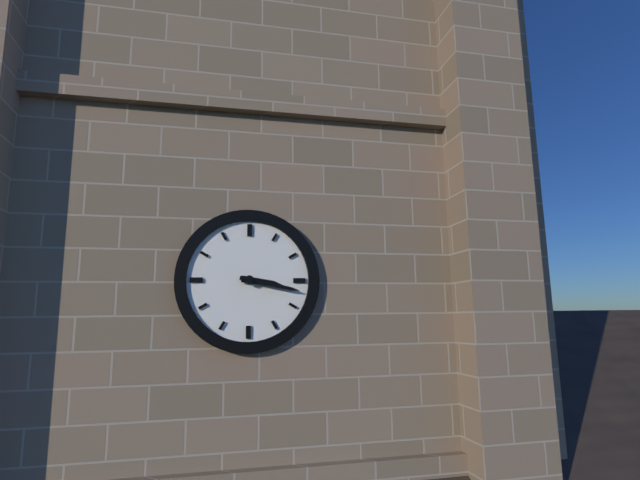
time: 3:17
